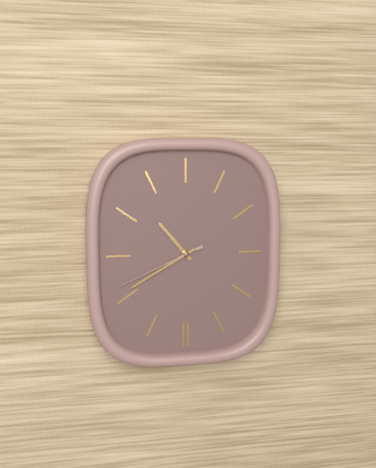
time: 10:40:41
